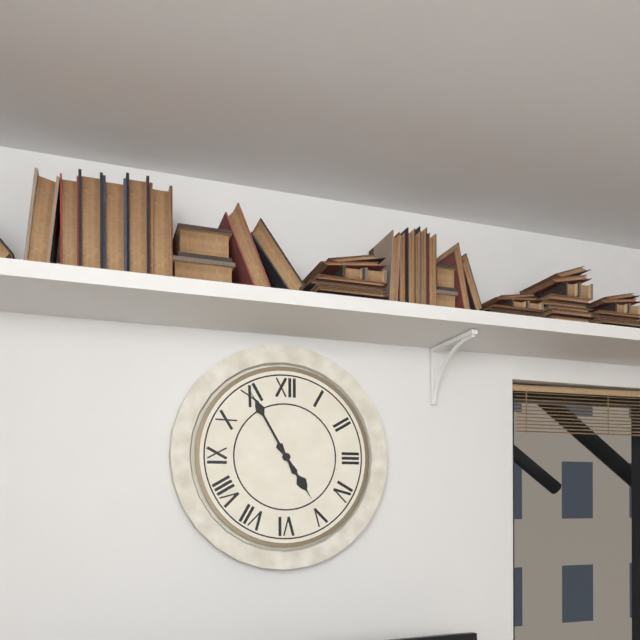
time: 4:55
